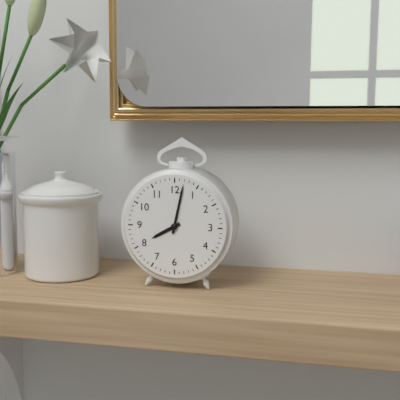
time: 8:02
